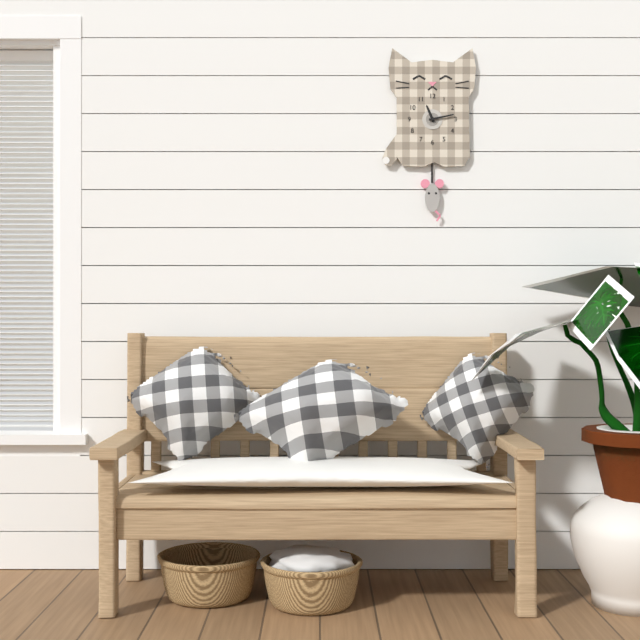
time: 11:13
